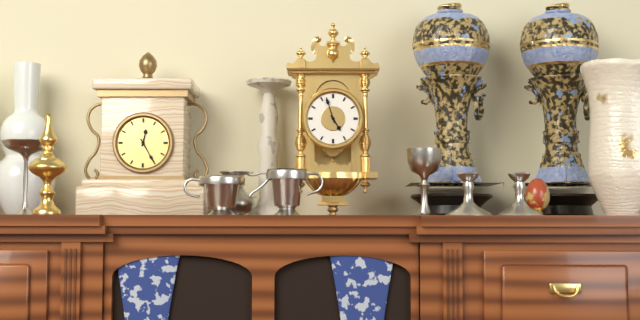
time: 4:57
